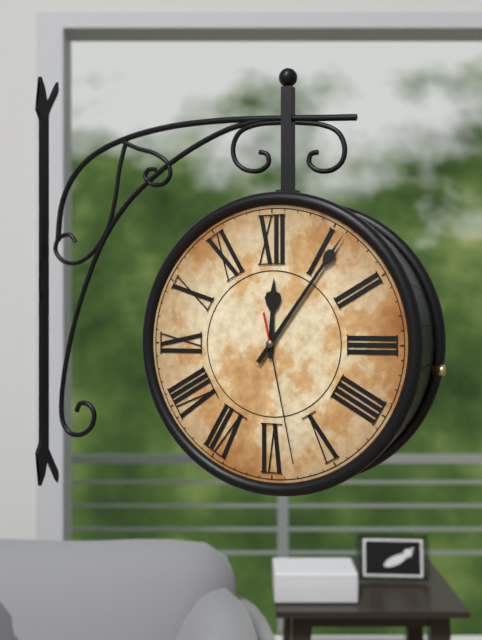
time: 12:06:28
